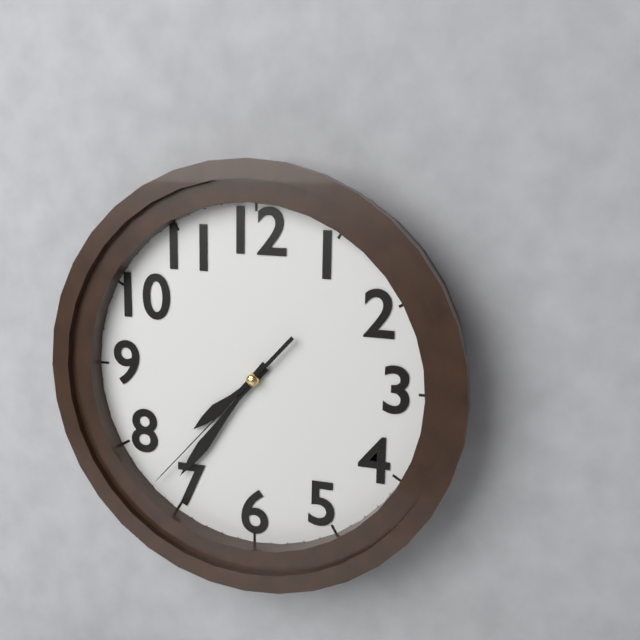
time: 7:36:37
